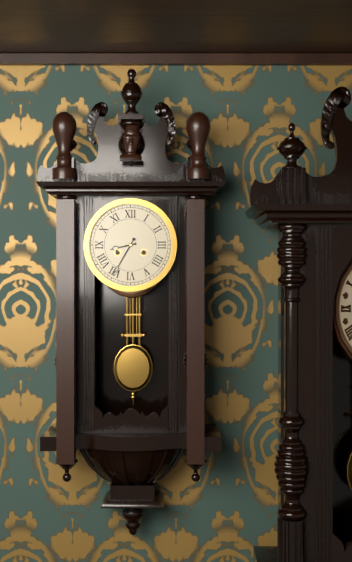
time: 8:35
